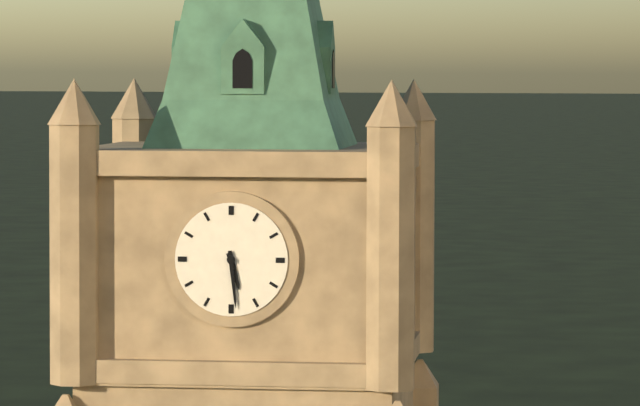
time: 5:29
